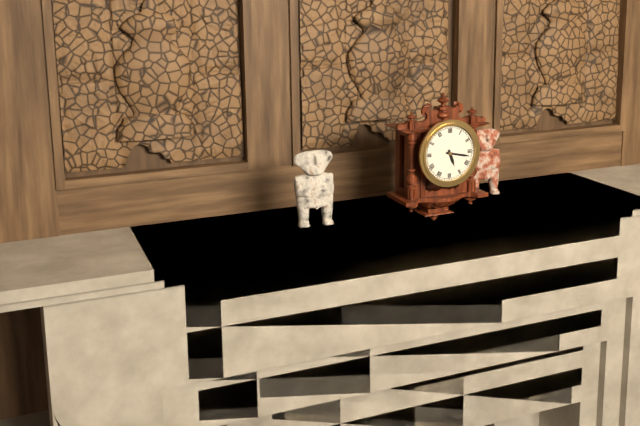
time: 5:17
